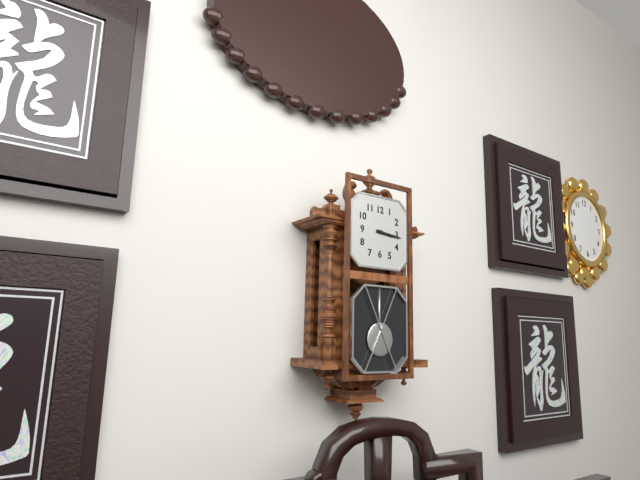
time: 3:16
